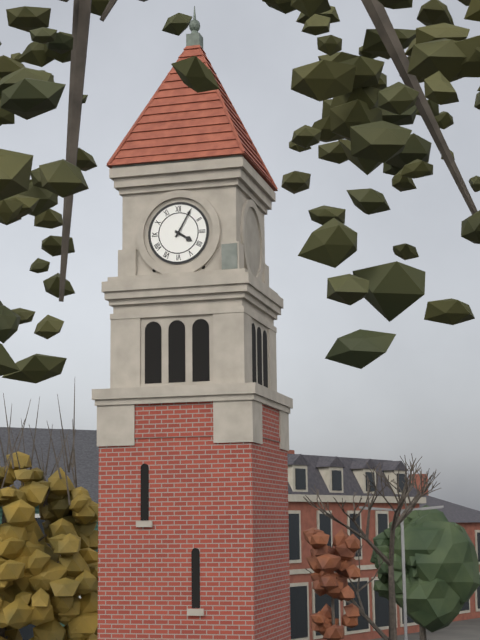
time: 4:05
